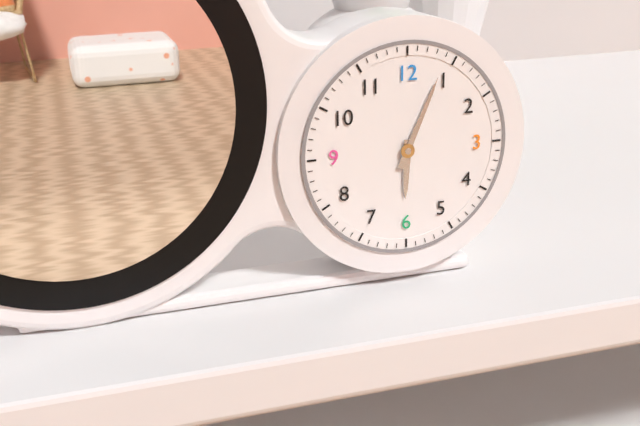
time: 6:04
